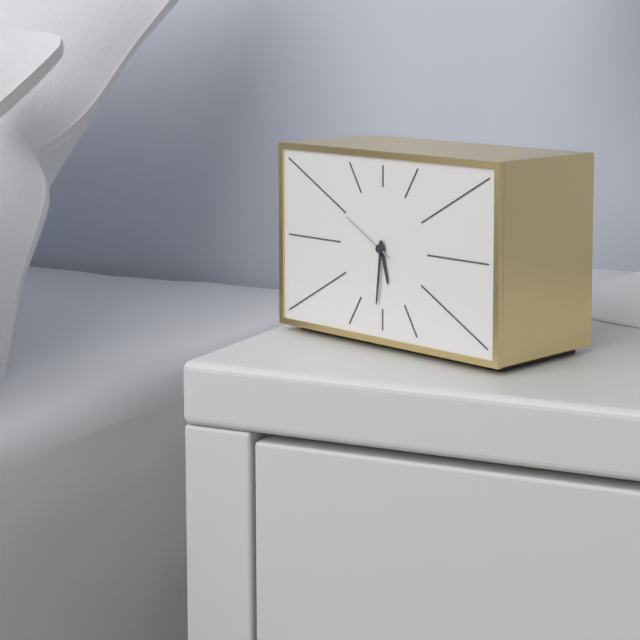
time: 5:31:50
